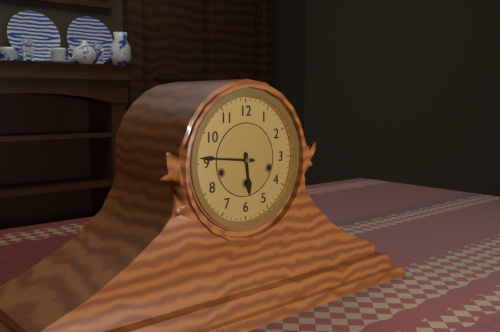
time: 5:46
